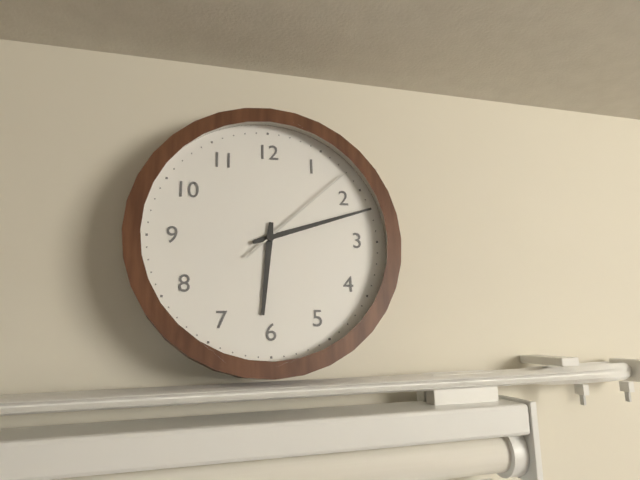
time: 6:12:08
